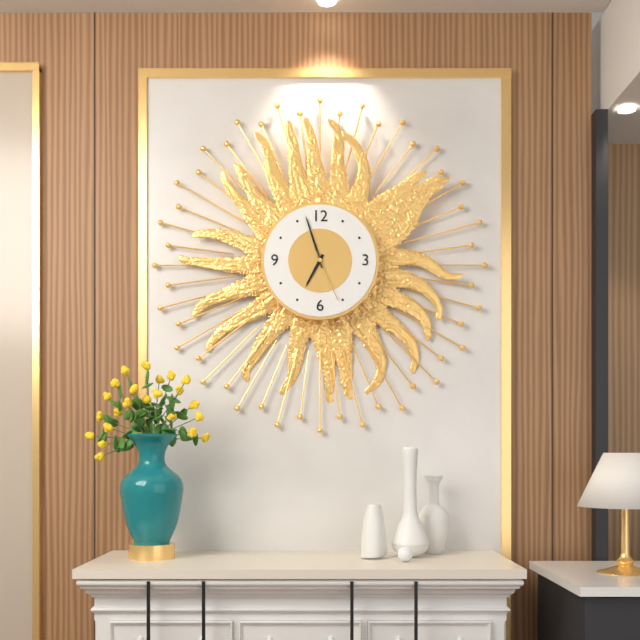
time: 6:57:26
